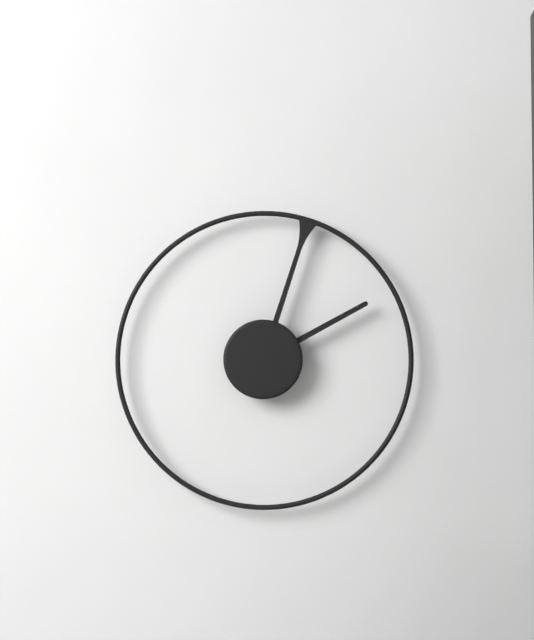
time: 2:03
